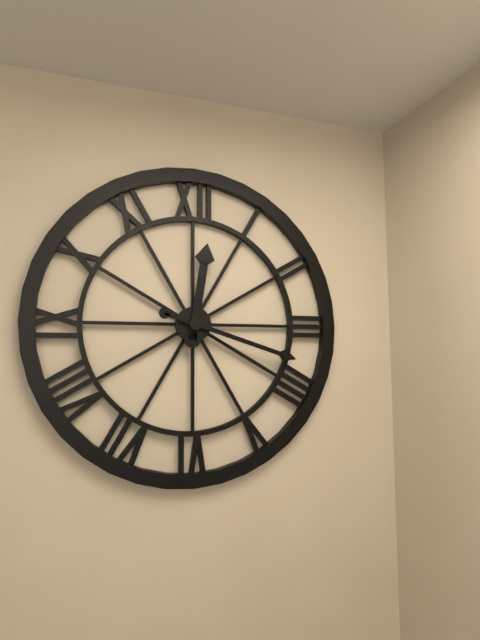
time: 12:18
